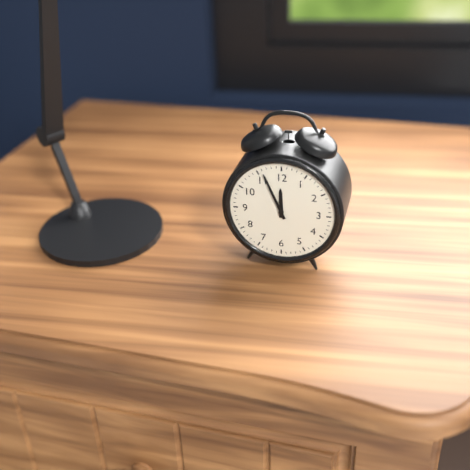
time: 11:56
